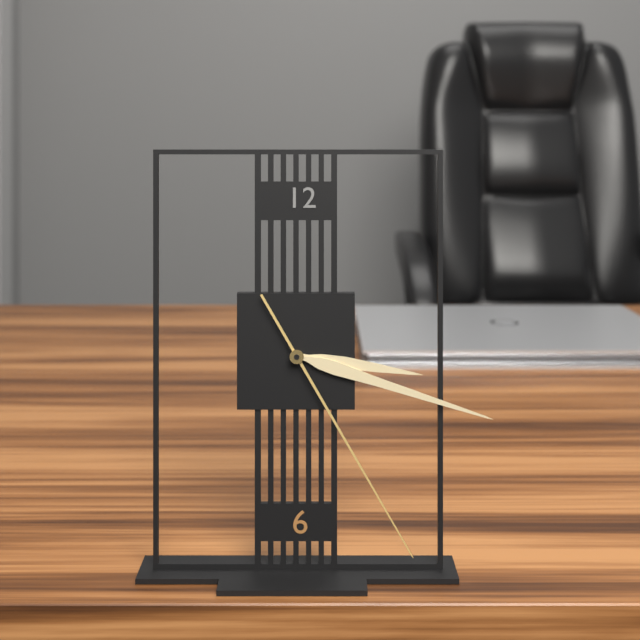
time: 3:18:25
